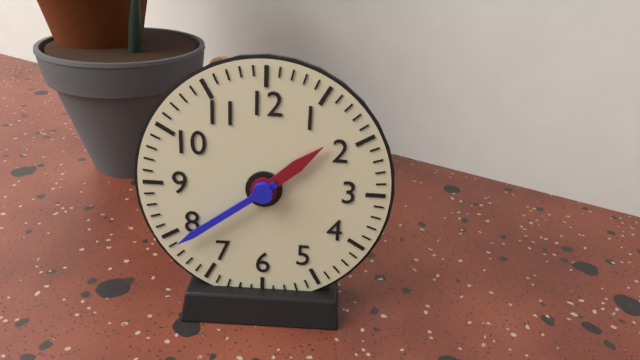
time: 1:39
